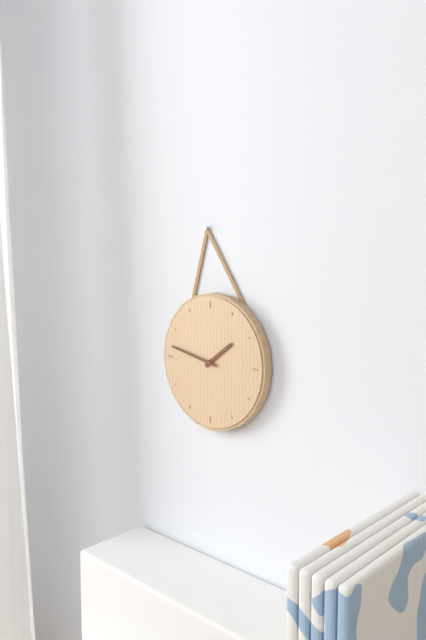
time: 1:47
